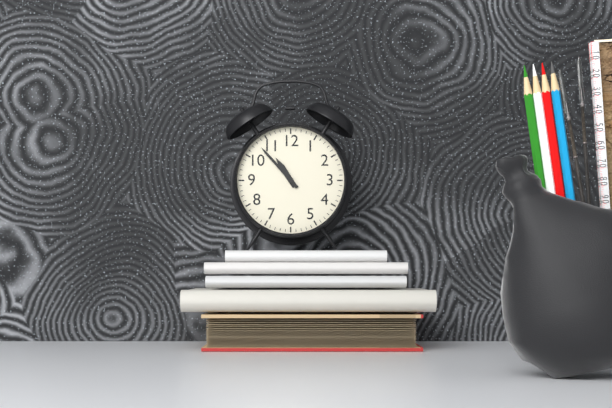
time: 10:53
